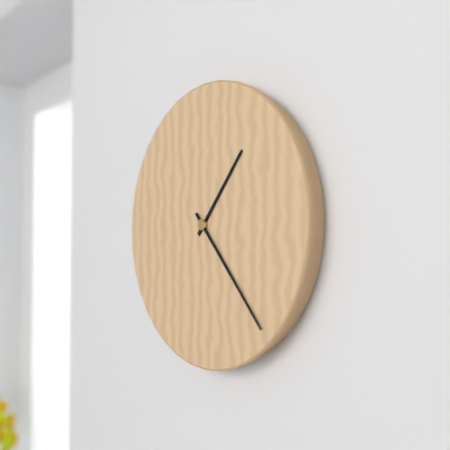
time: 1:23
